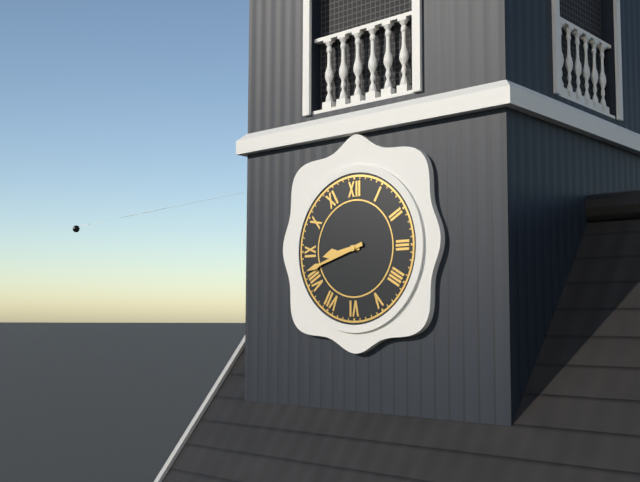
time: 8:42
